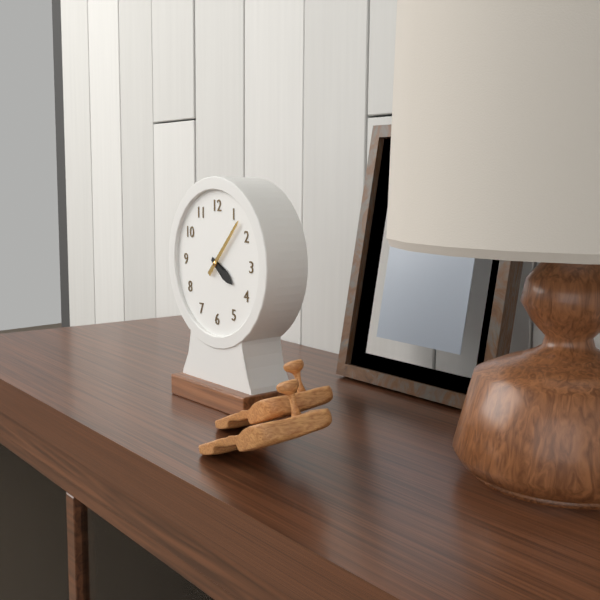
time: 4:07
